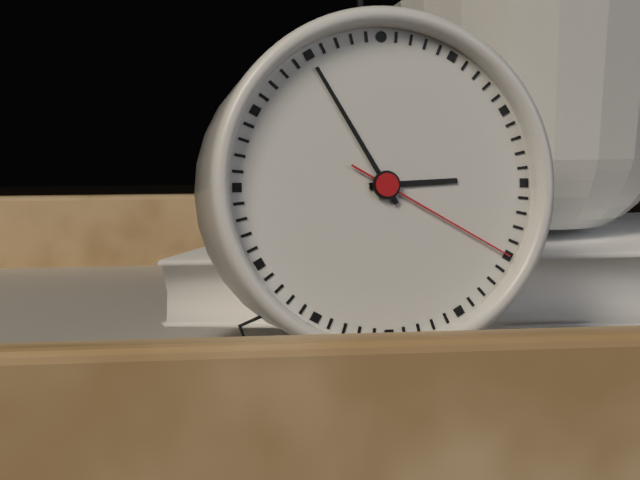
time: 2:55:20
